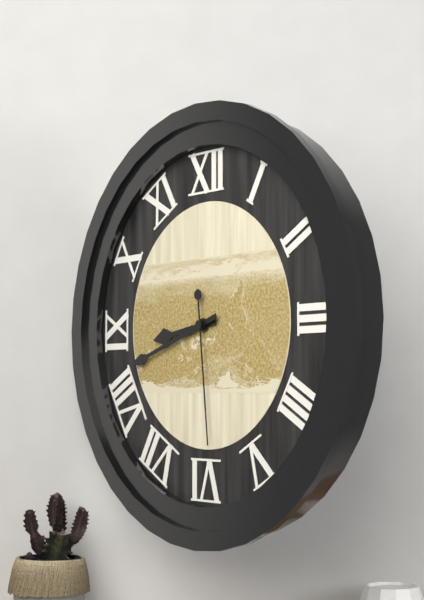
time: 8:42:29
